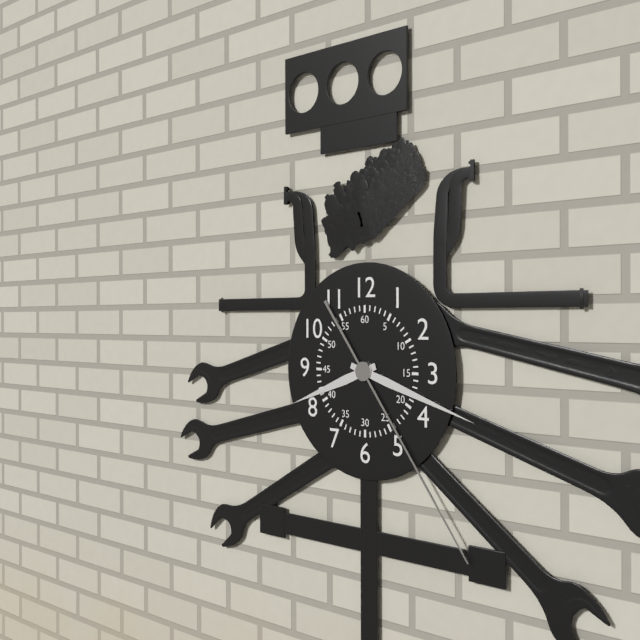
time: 8:18:24
